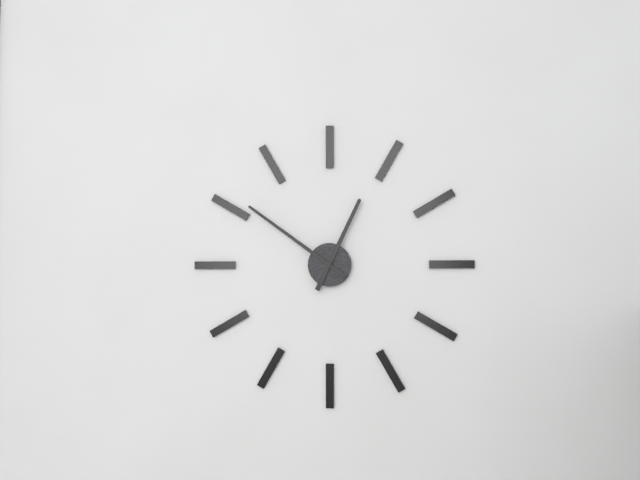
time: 12:51
